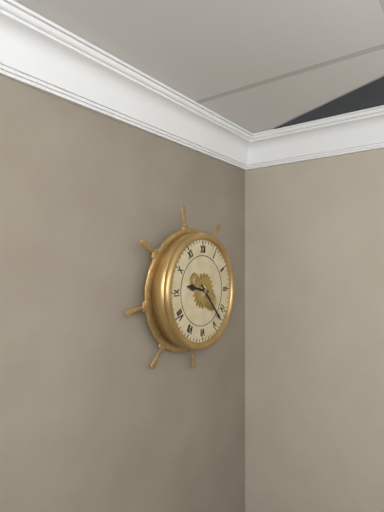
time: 9:23
